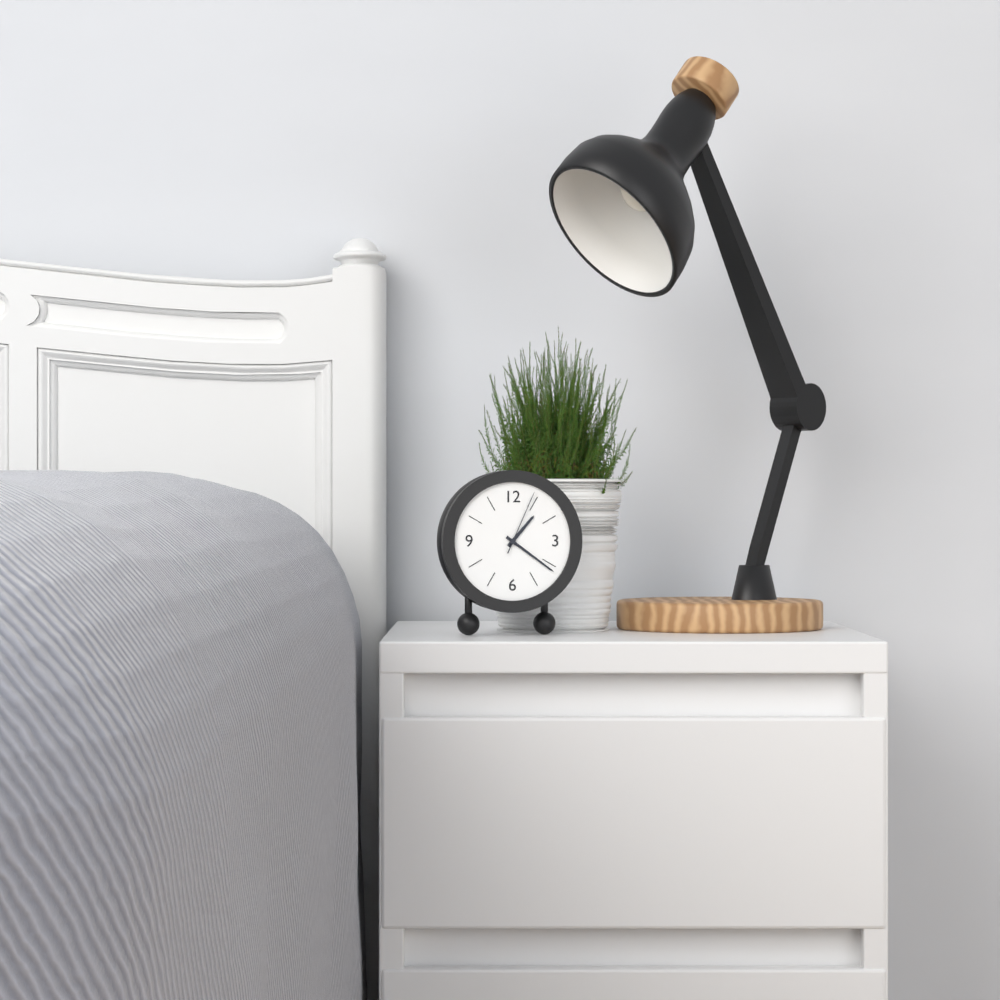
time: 1:21:04
